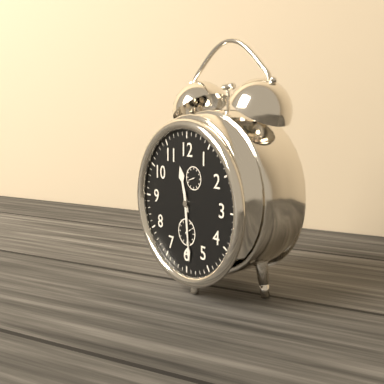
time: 11:29
